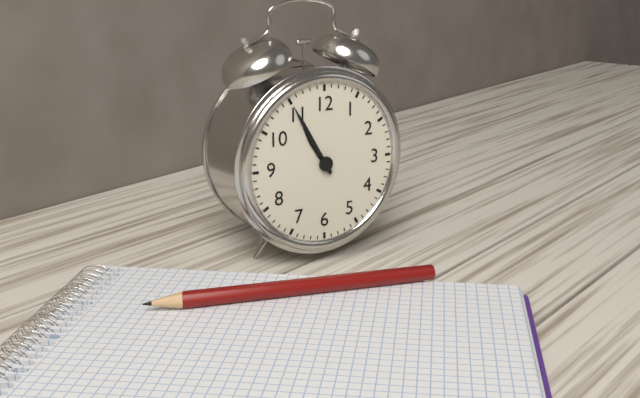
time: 10:55
